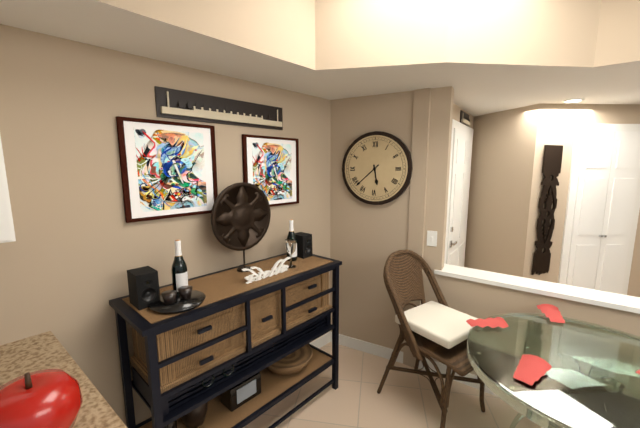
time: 5:38
